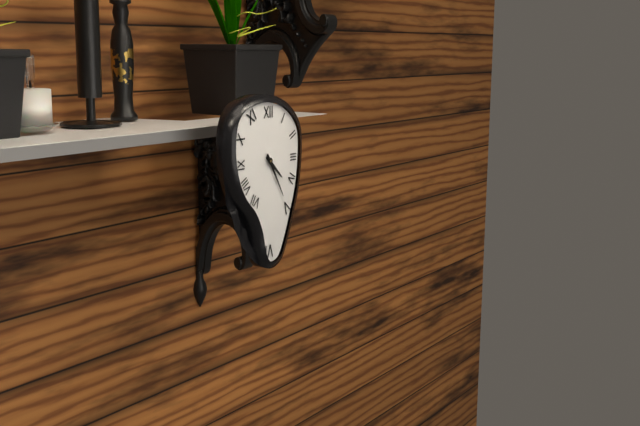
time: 4:25
